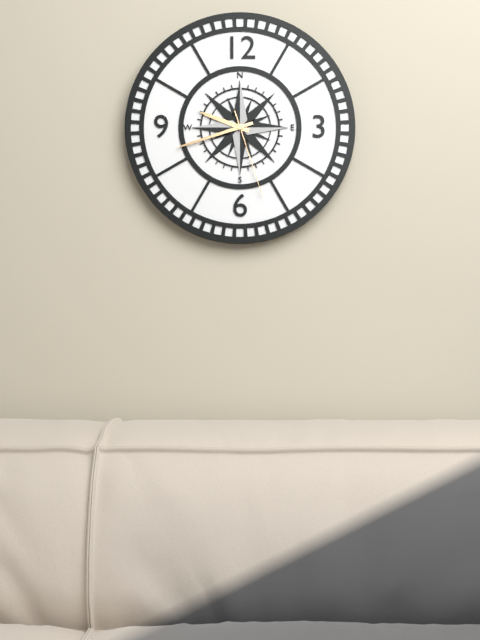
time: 9:42:27
